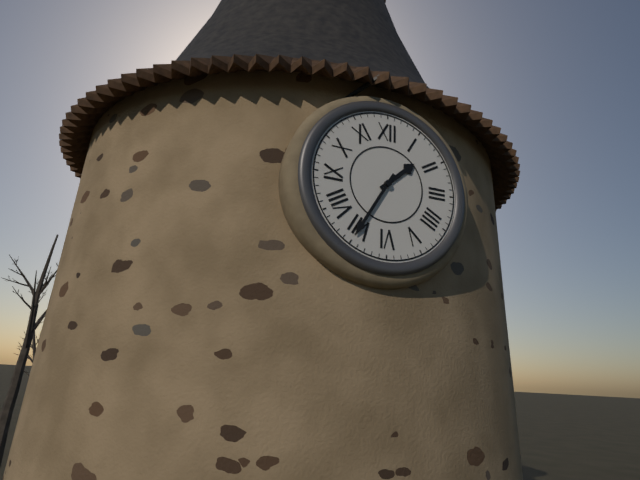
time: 1:35
